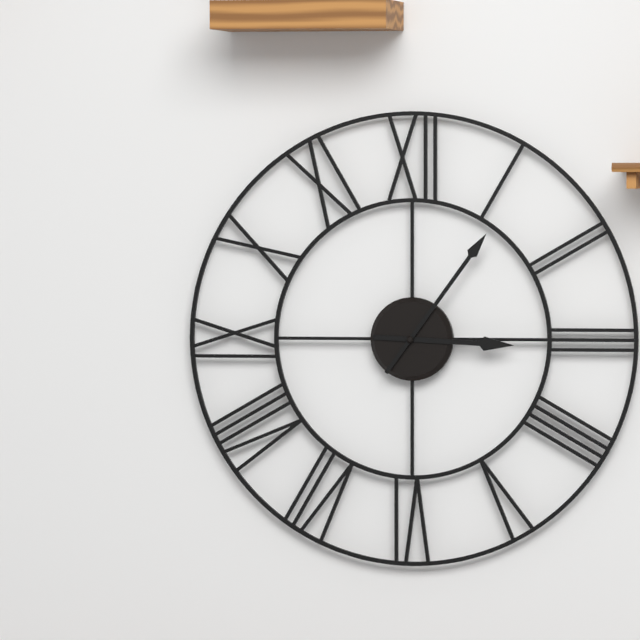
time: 3:06
